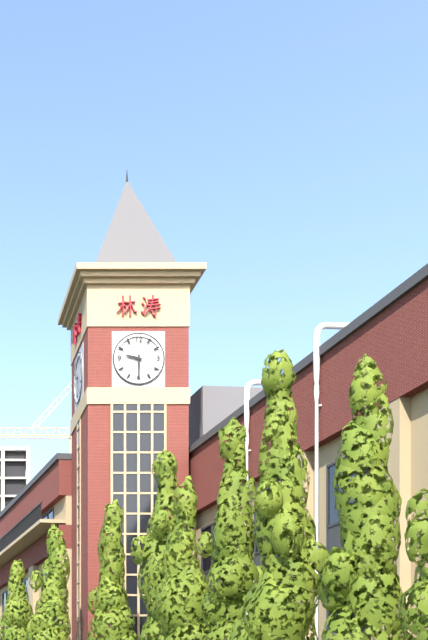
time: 9:30
